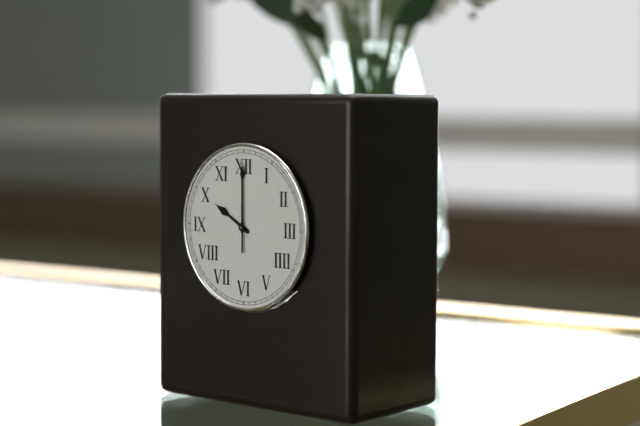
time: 10:00
